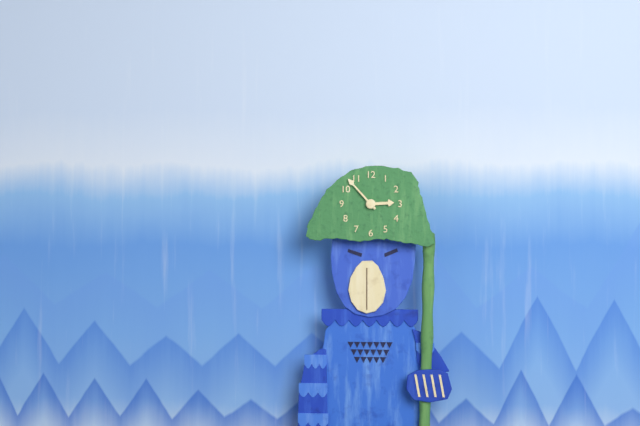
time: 2:53
